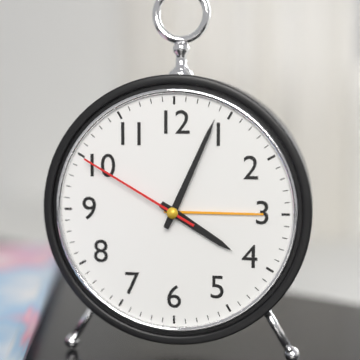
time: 4:04:50
